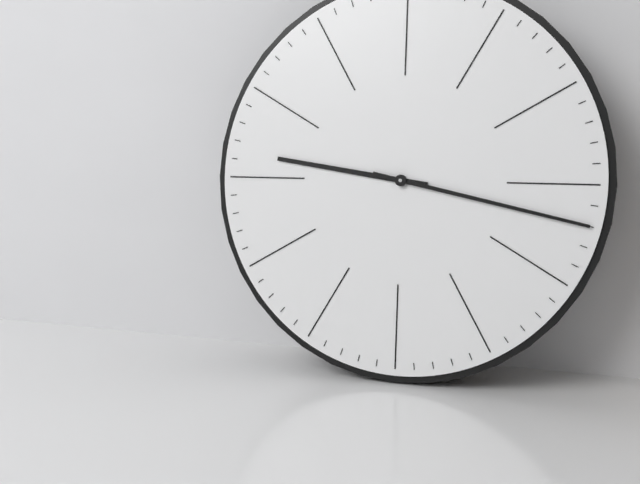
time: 9:17
